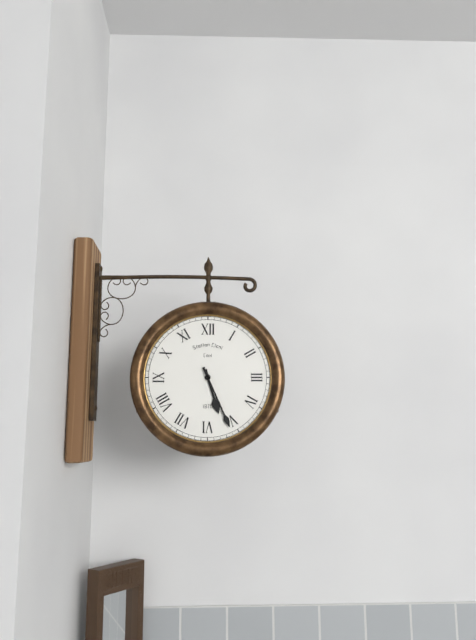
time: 5:26
